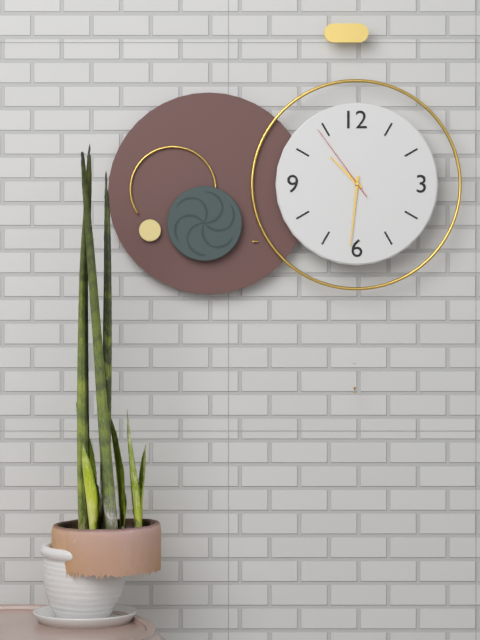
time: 10:31:54
